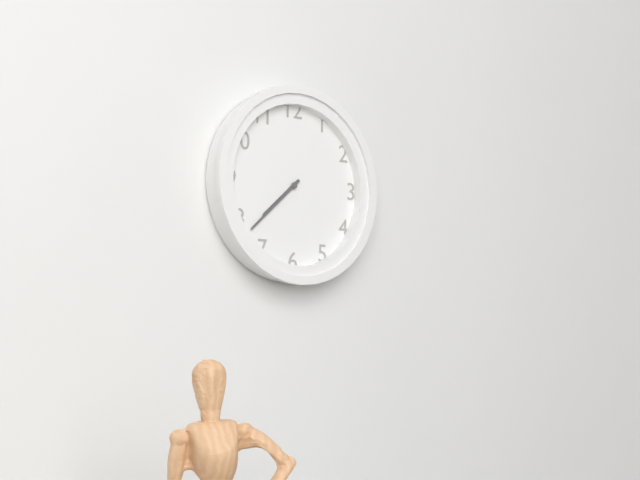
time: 7:38
